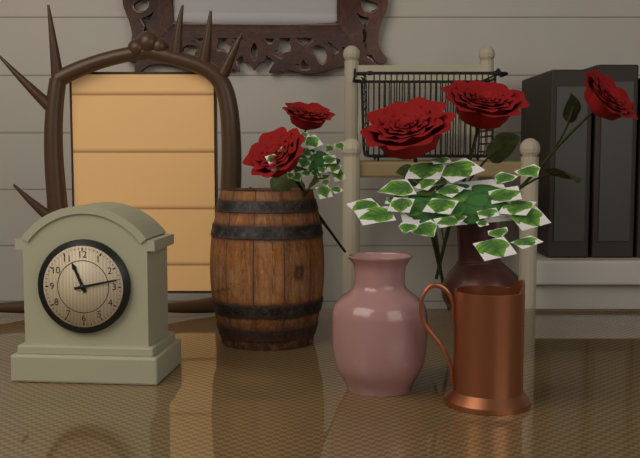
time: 11:13
